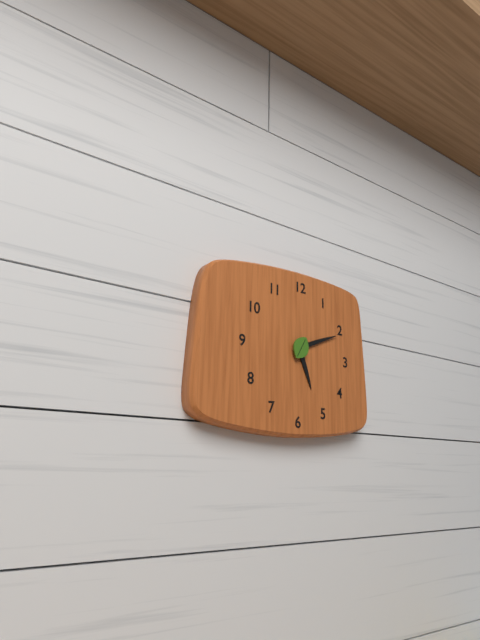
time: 5:11
